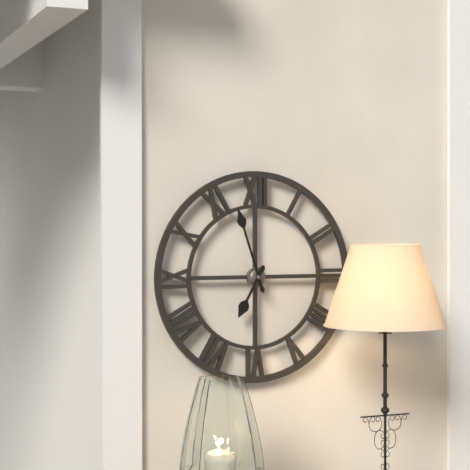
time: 6:57
